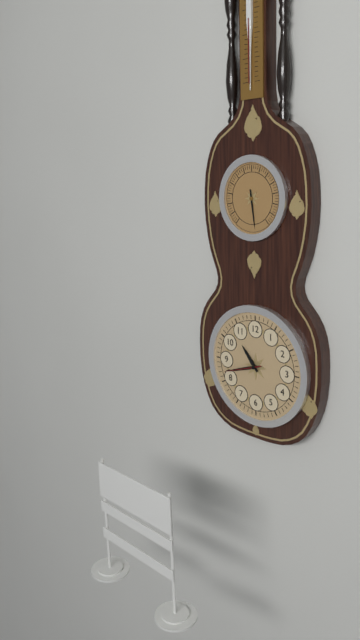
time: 10:42
